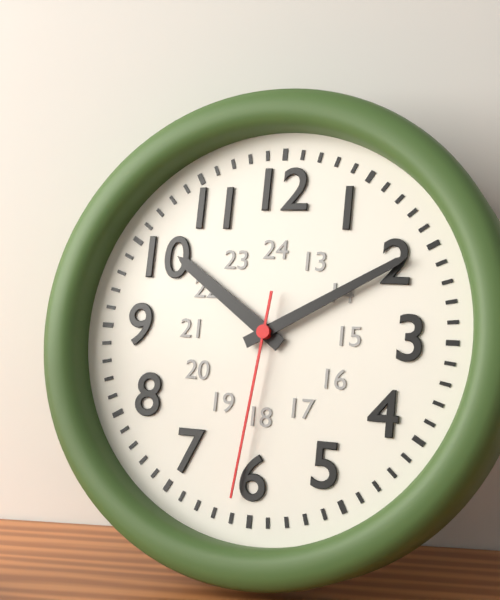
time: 10:10:31
